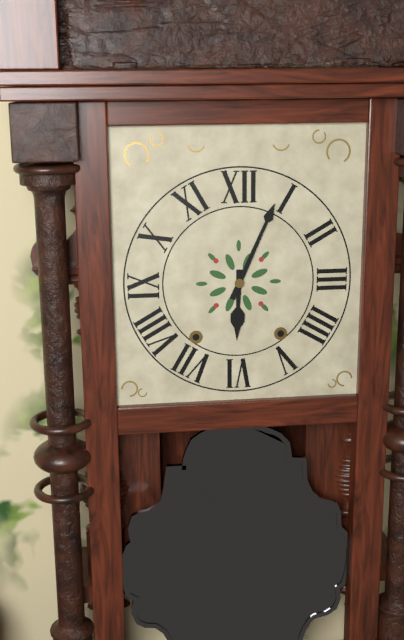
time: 6:04
